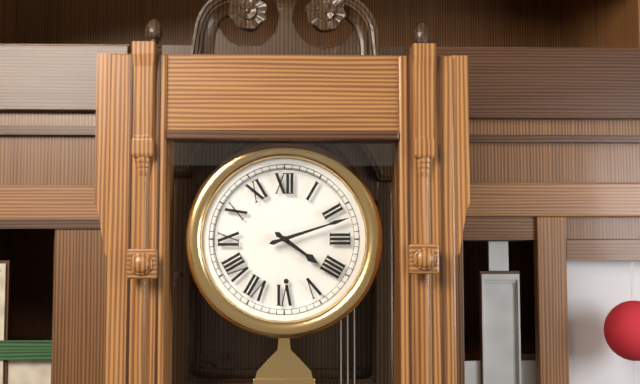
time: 4:12
